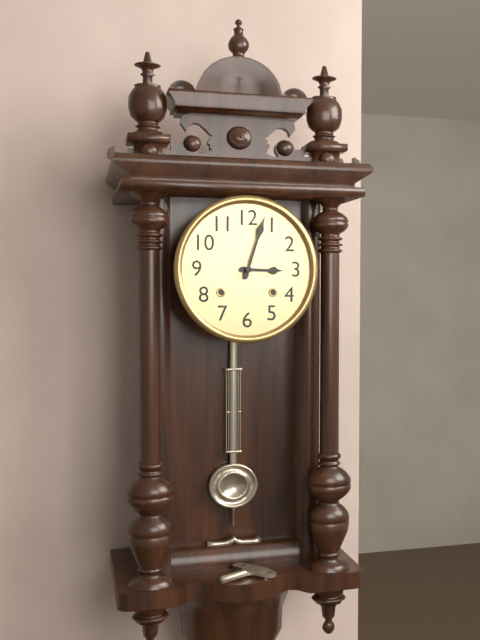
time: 3:03
